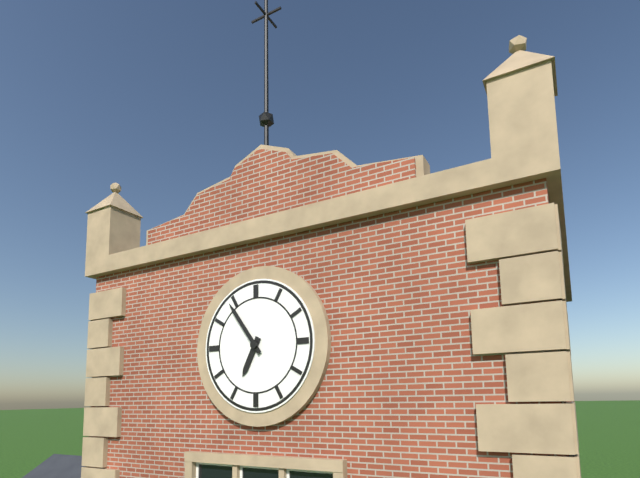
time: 6:54
